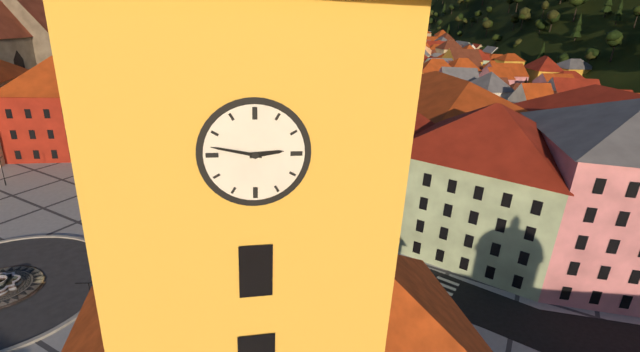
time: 2:47
